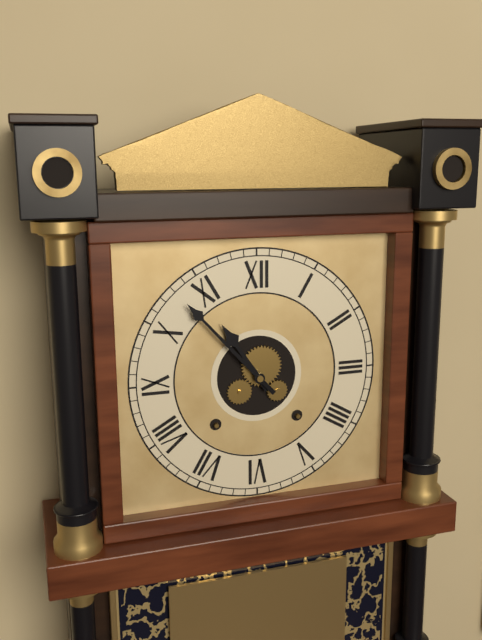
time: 10:53
